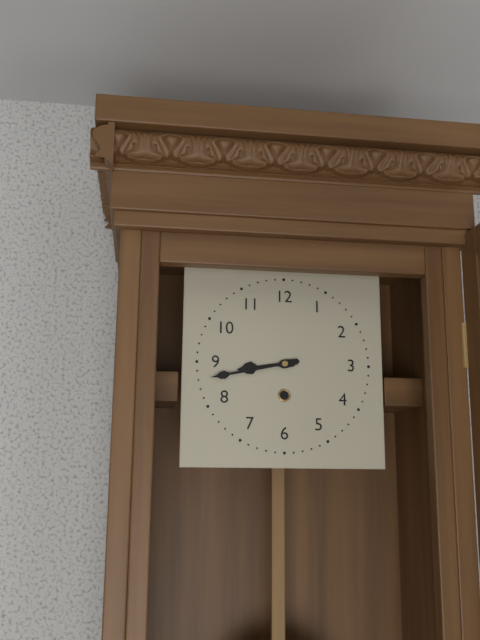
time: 8:43
